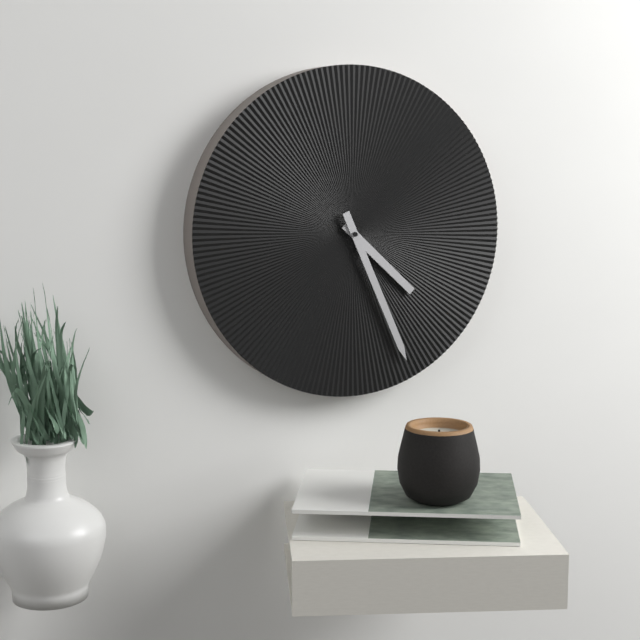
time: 4:26
